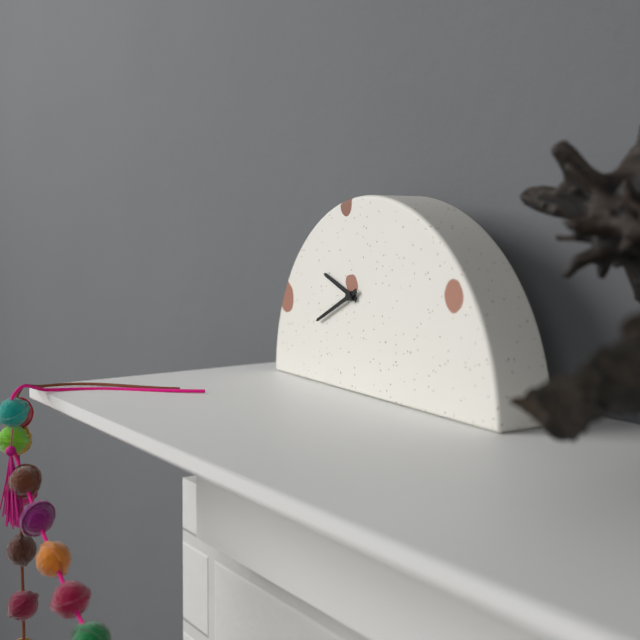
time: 9:41
